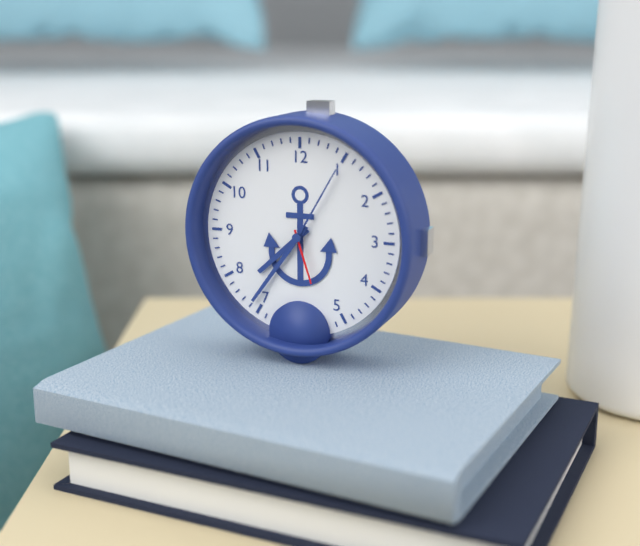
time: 7:36:27
